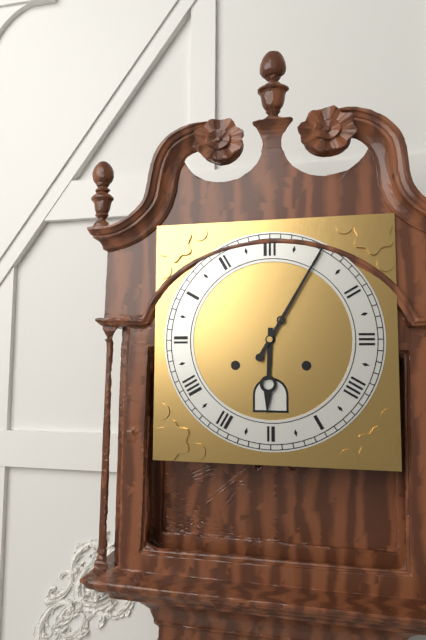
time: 6:05
